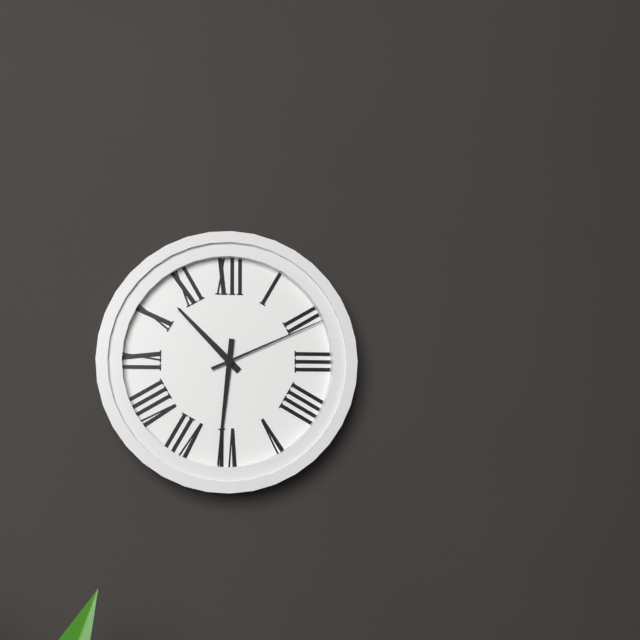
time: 10:31:11
